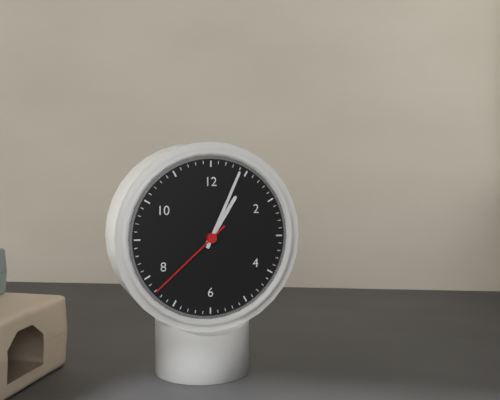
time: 1:04:38
